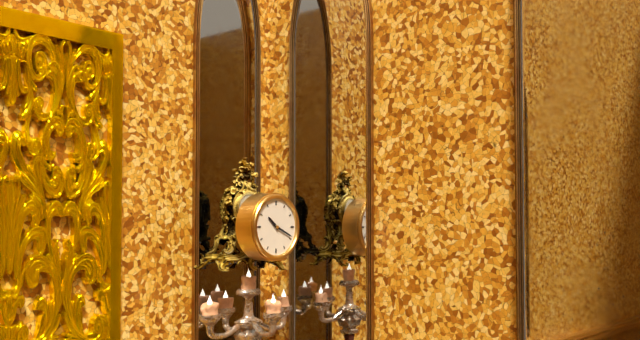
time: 10:19
